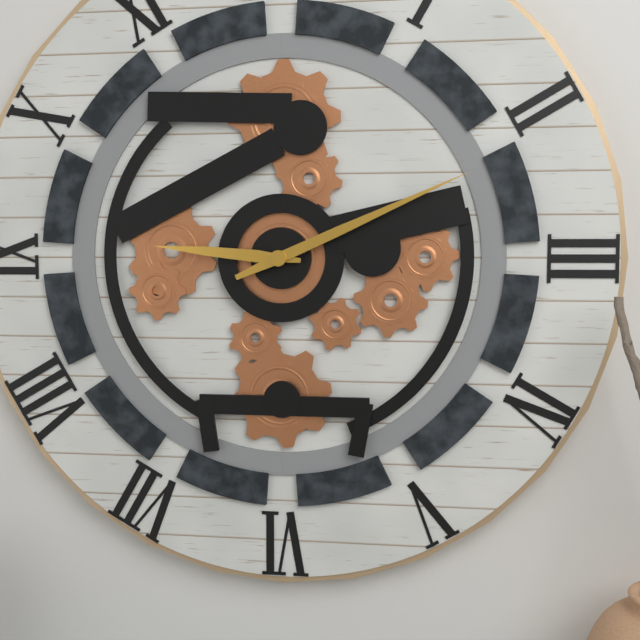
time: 9:11
